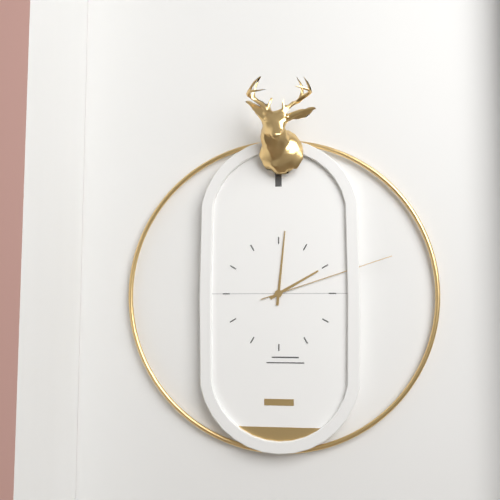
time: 2:01:12
